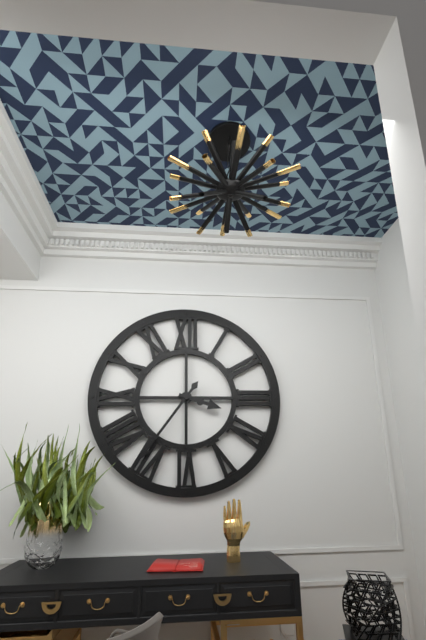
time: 3:36
